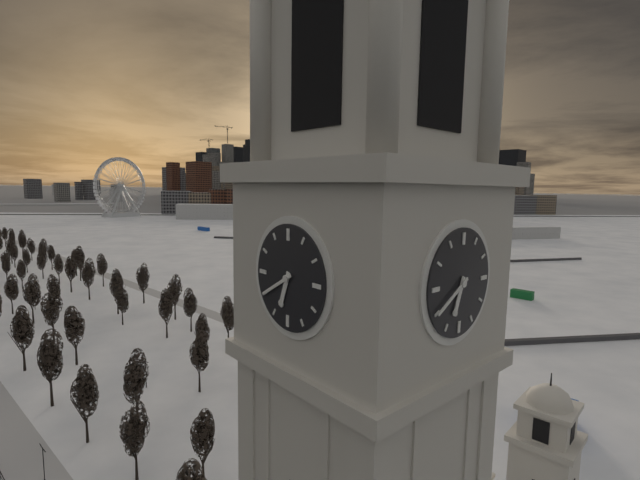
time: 6:40
